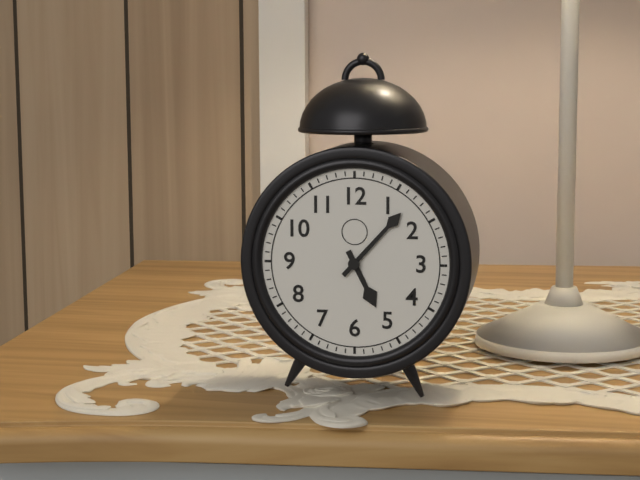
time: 5:07
